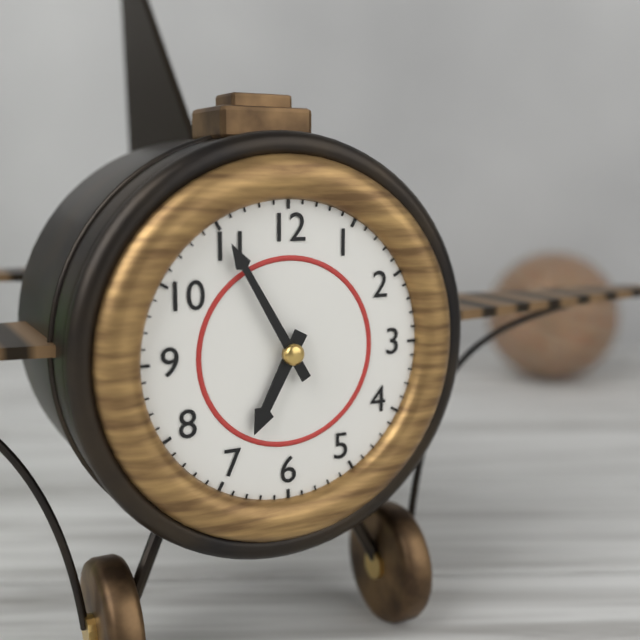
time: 6:55
